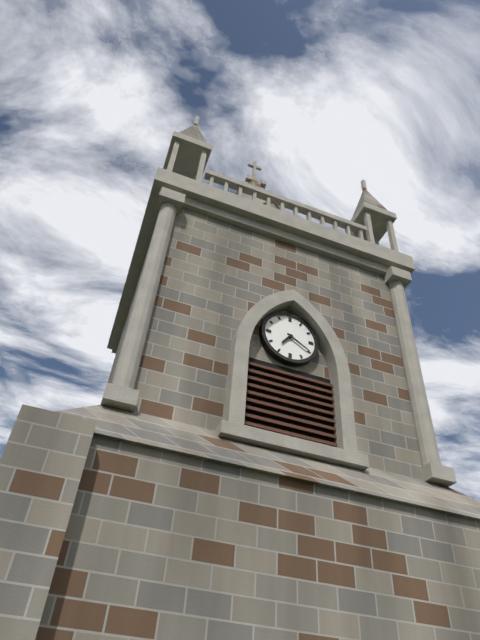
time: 7:20
